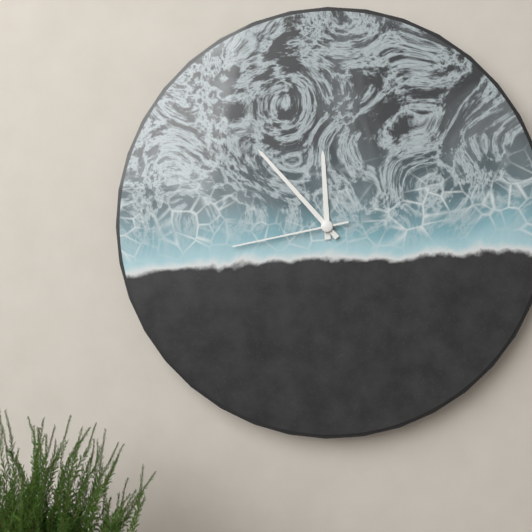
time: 11:53:43
